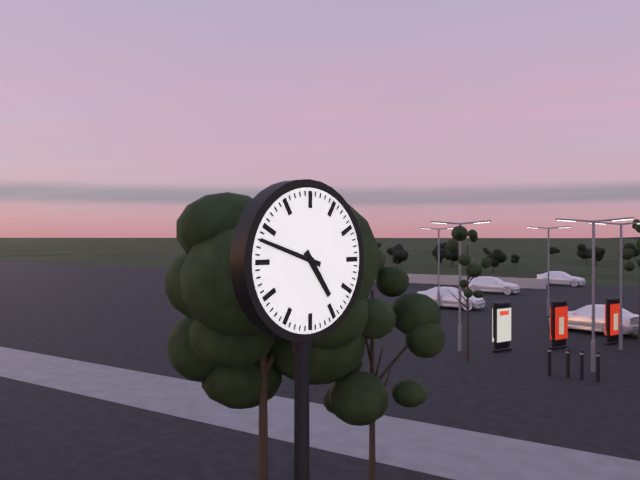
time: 4:48
